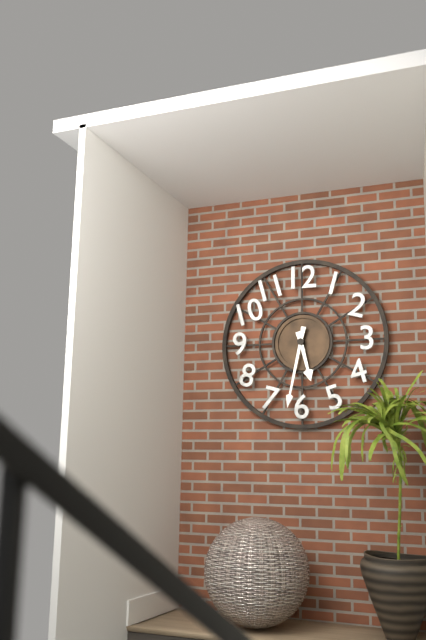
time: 5:32
